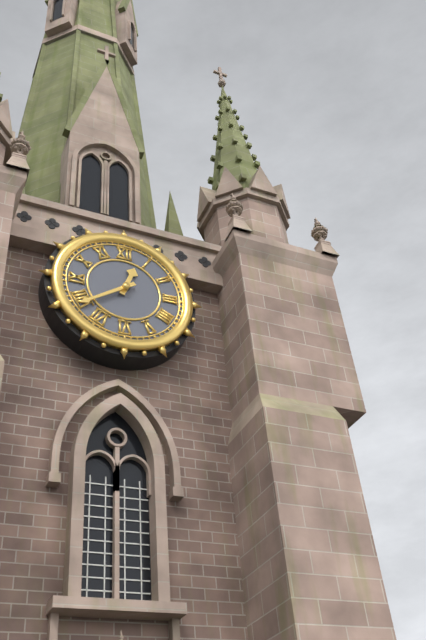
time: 12:39
